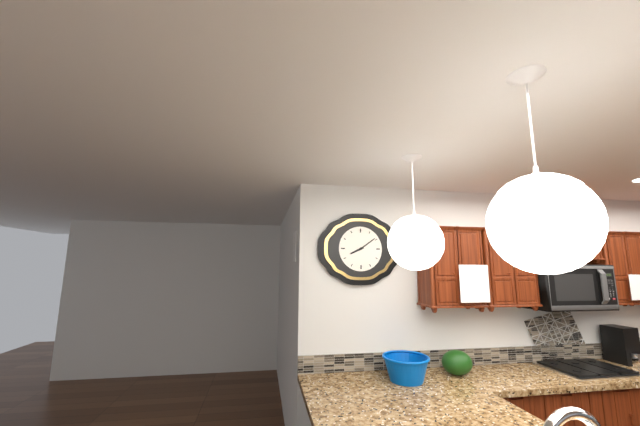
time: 8:09
